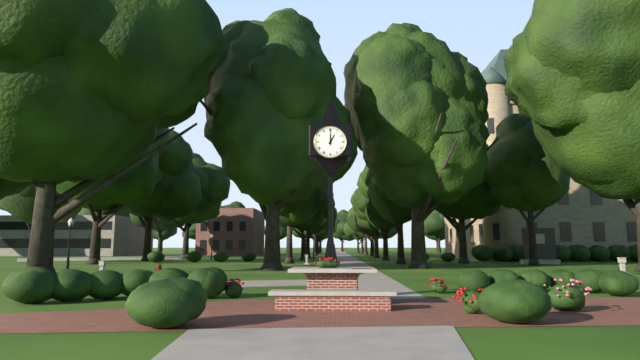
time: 1:00
